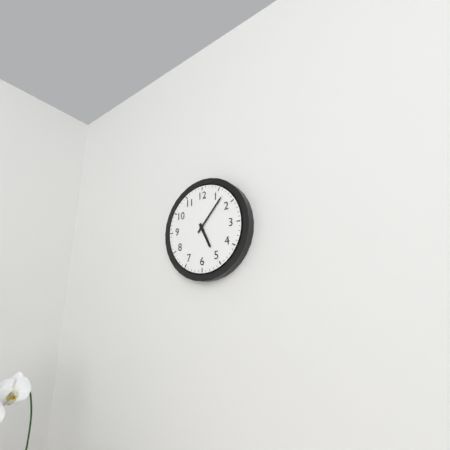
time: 5:07
